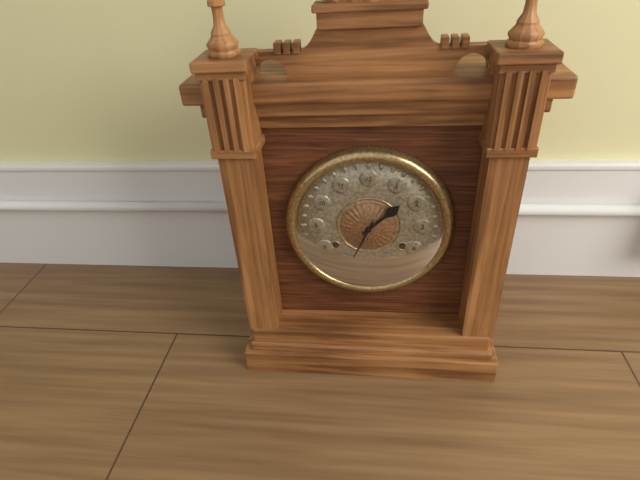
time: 1:34
